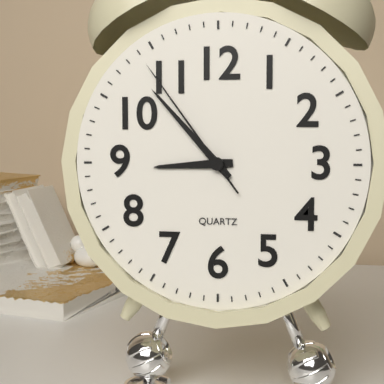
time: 8:53:54
